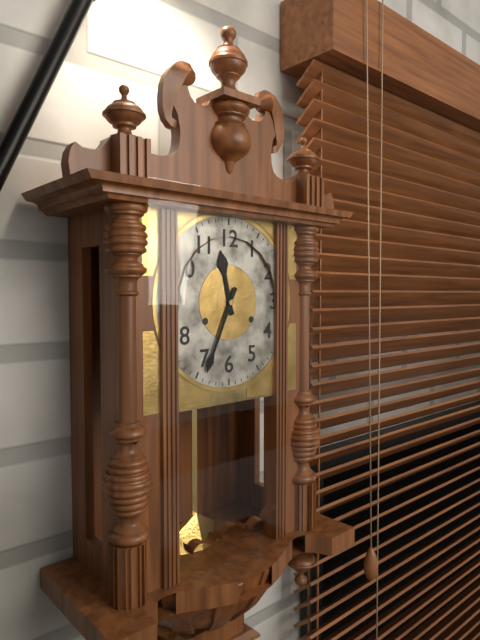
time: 11:34
